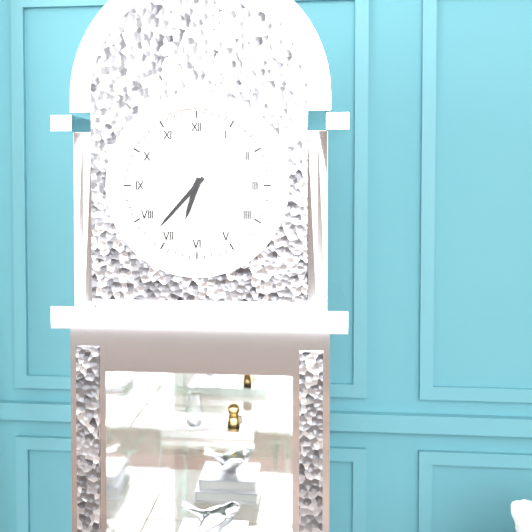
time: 6:37
